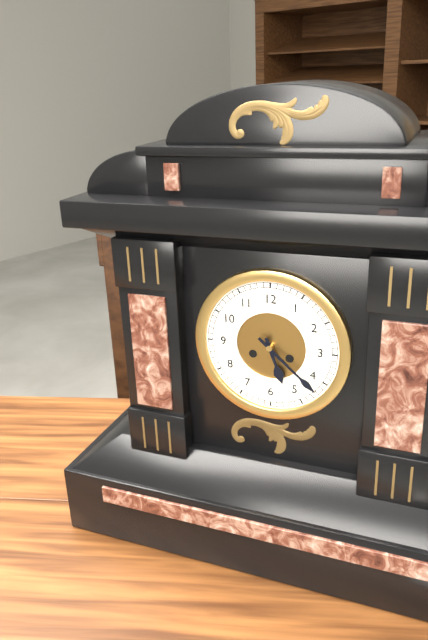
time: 5:22
